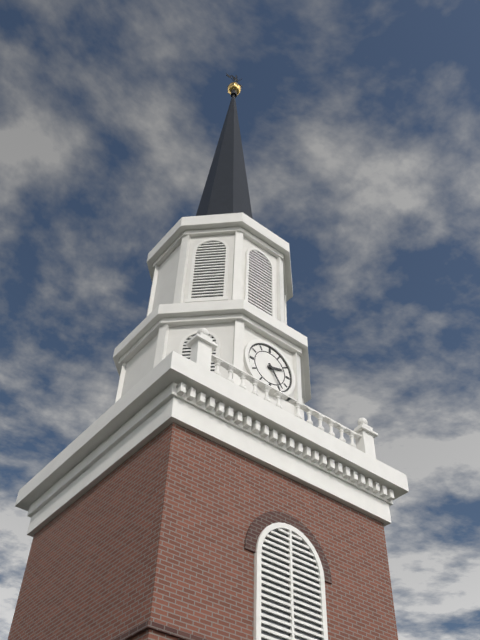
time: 2:24
